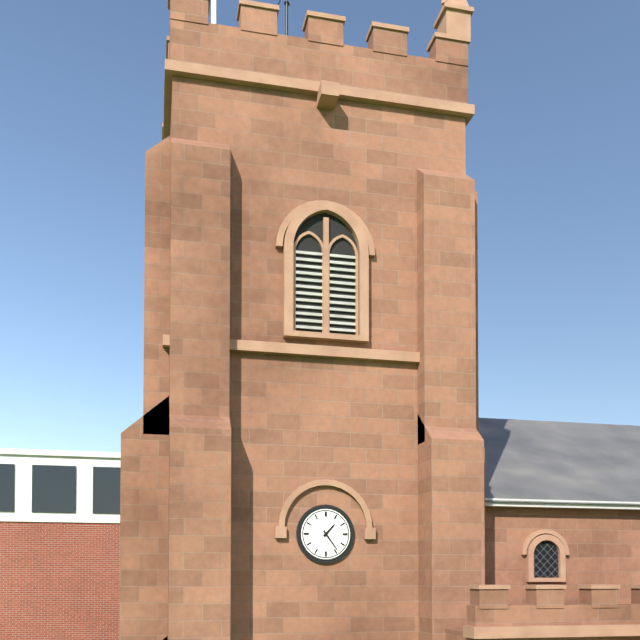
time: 1:24
